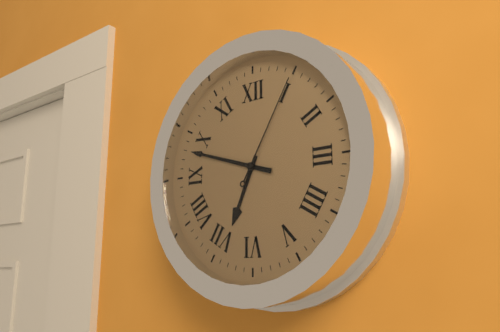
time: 6:48:05
